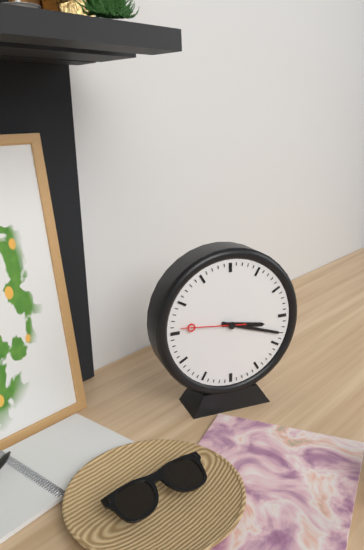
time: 3:18:46
